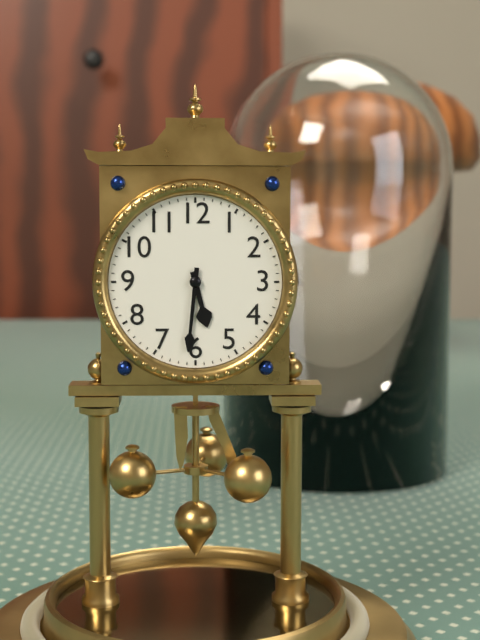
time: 5:31
